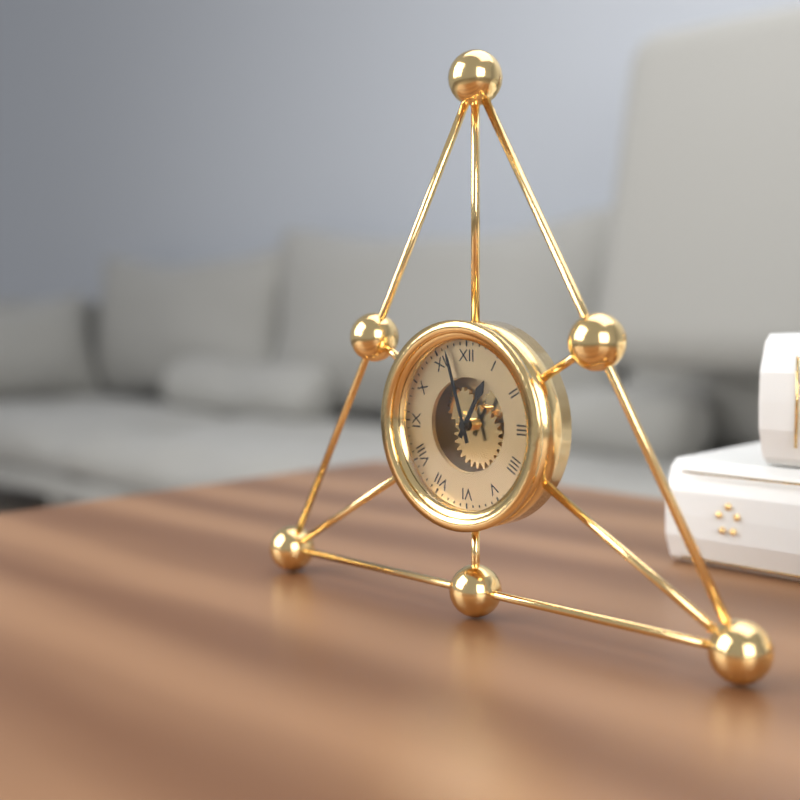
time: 12:57
